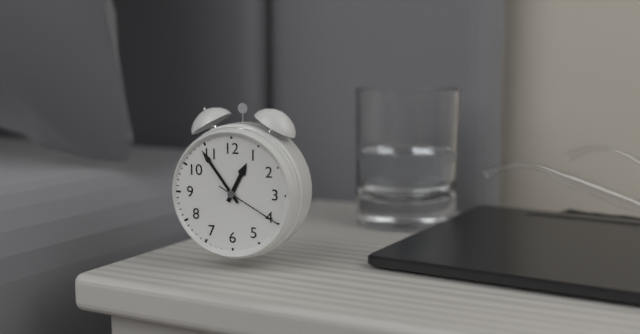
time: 12:54:20
